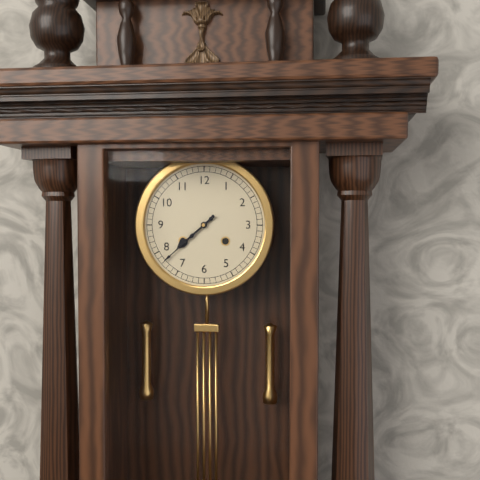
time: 7:38
